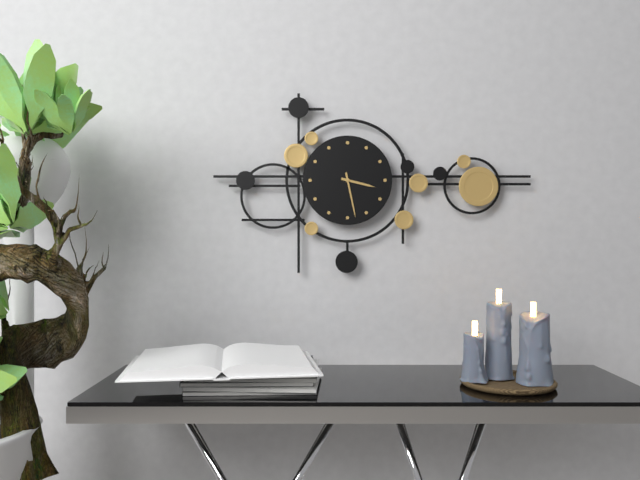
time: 3:28
